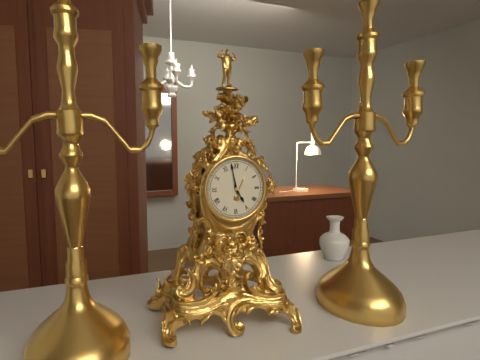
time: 4:58
